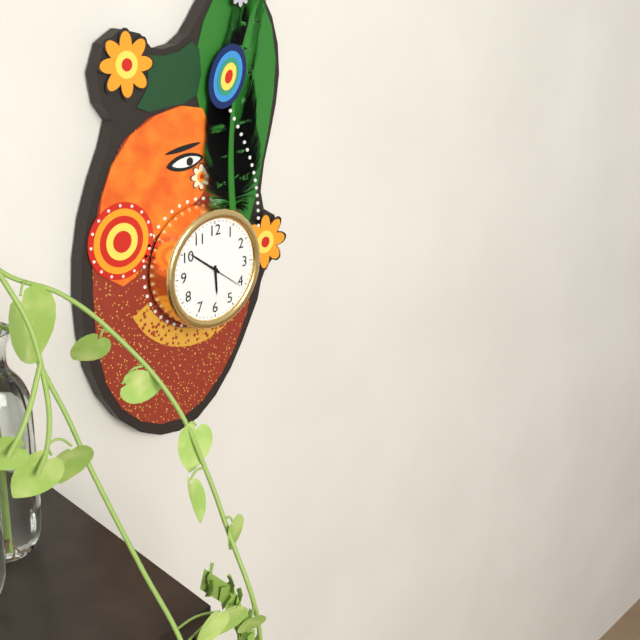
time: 5:51
